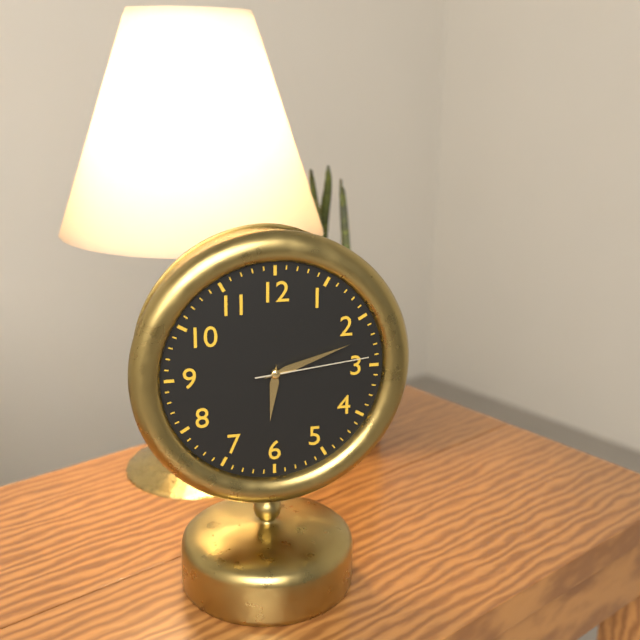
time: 6:12:14
